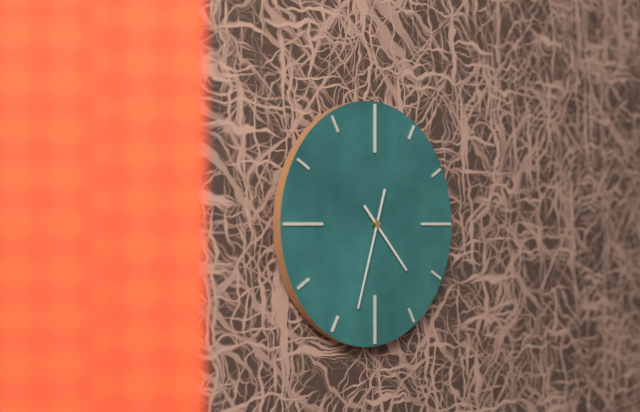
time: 4:33
